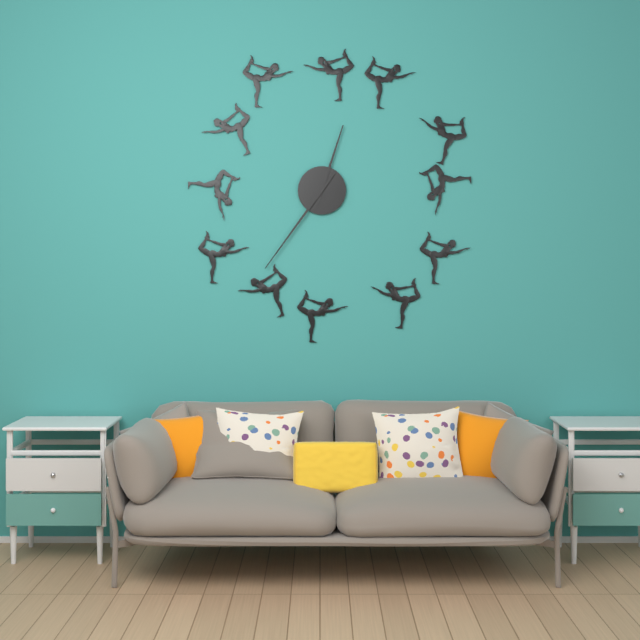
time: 12:36
